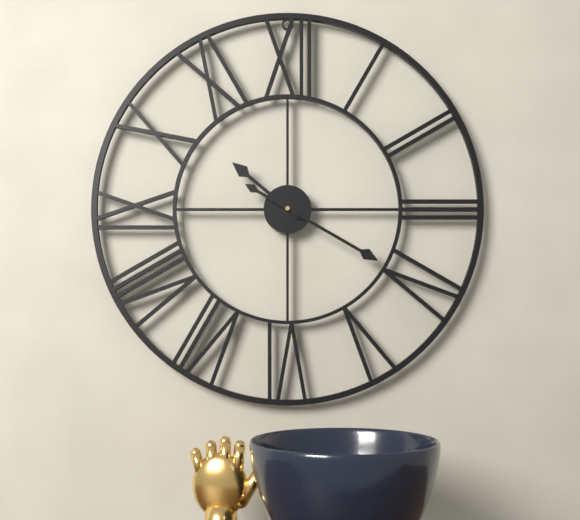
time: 10:20
